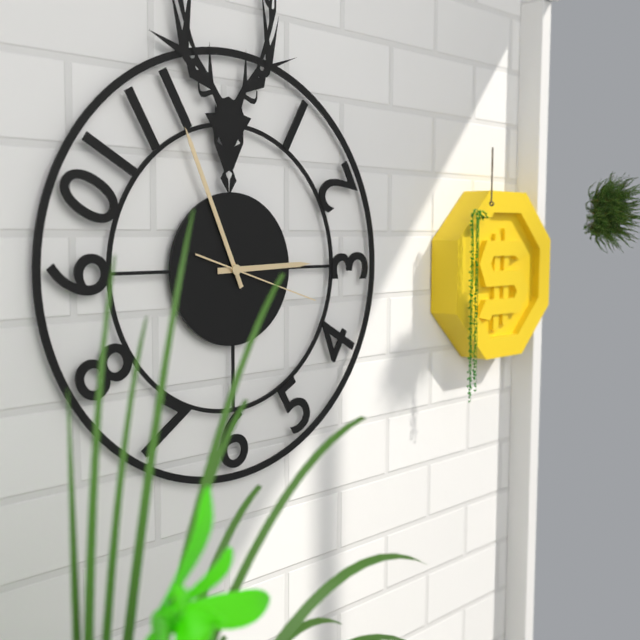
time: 2:56:18
